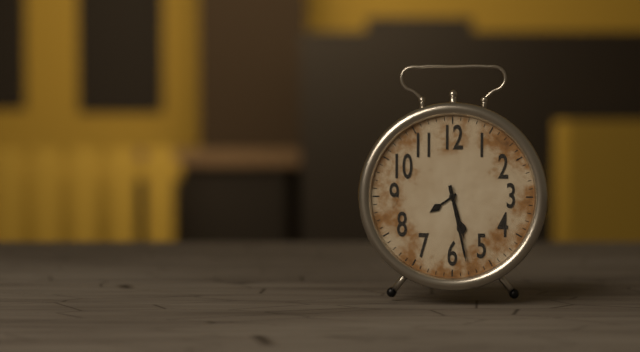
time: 5:28
